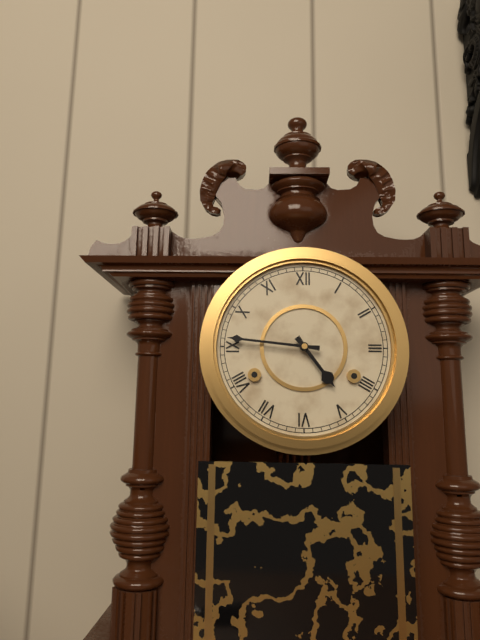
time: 4:46
